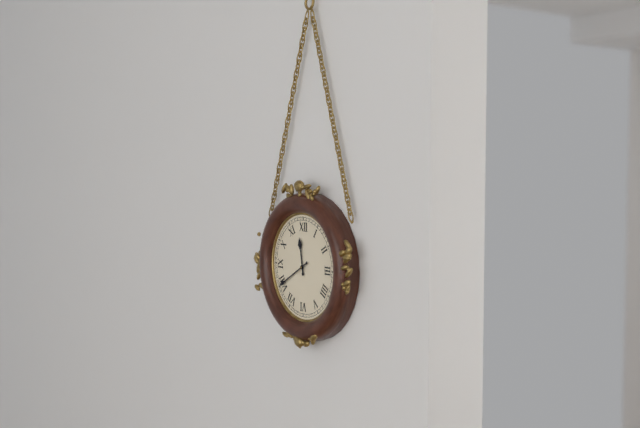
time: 11:40
